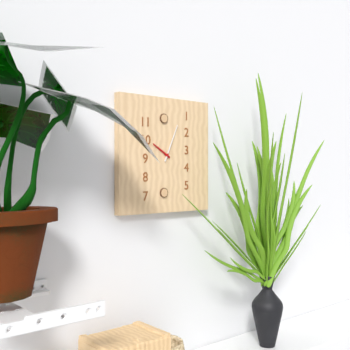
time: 10:04
